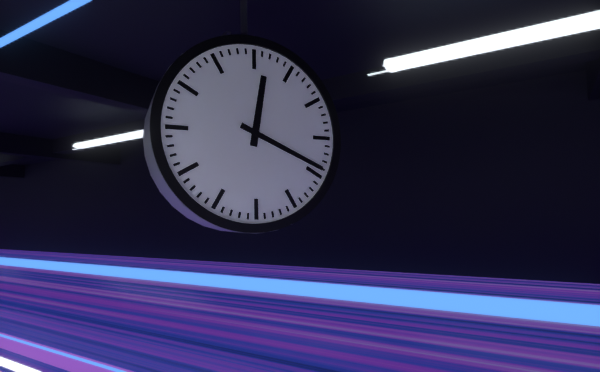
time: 12:19
